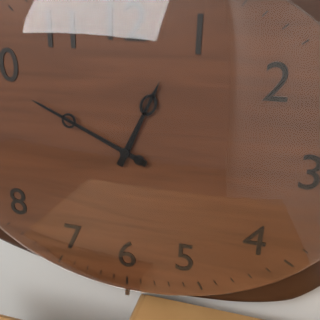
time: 12:49
